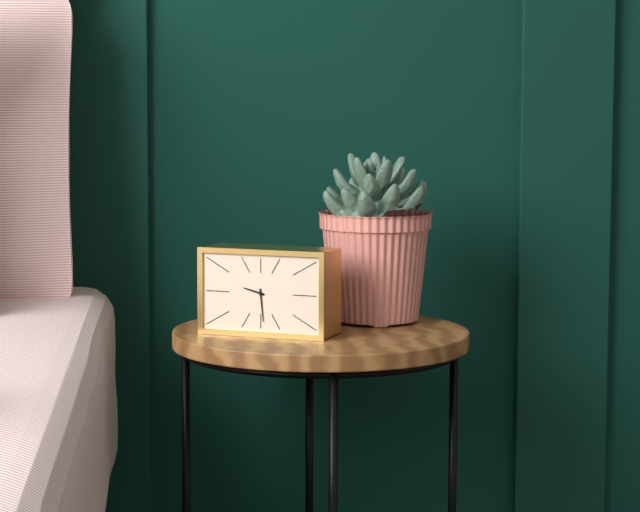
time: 9:29
